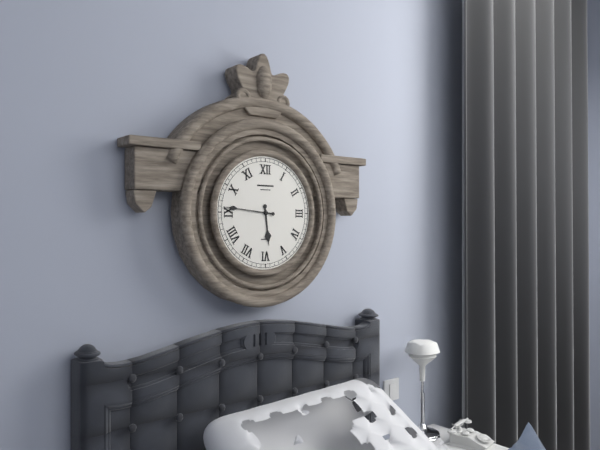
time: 5:46
